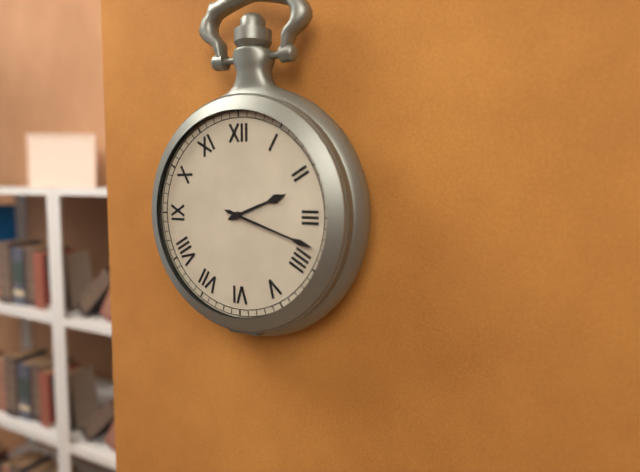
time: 2:18
